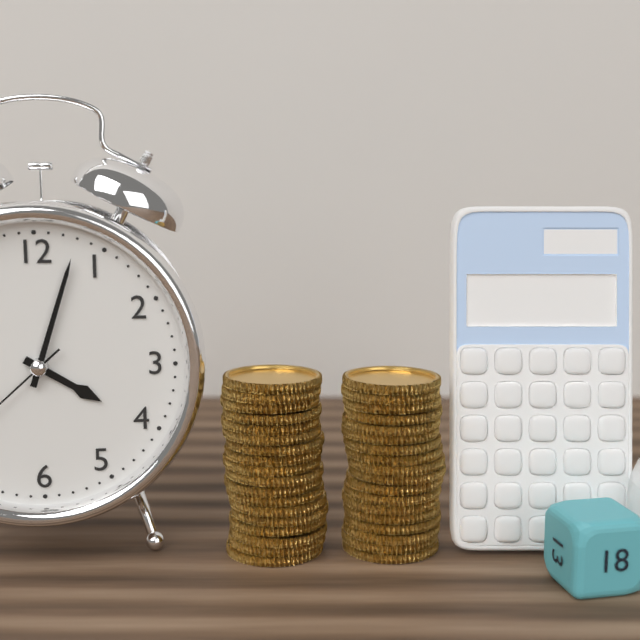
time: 4:03
